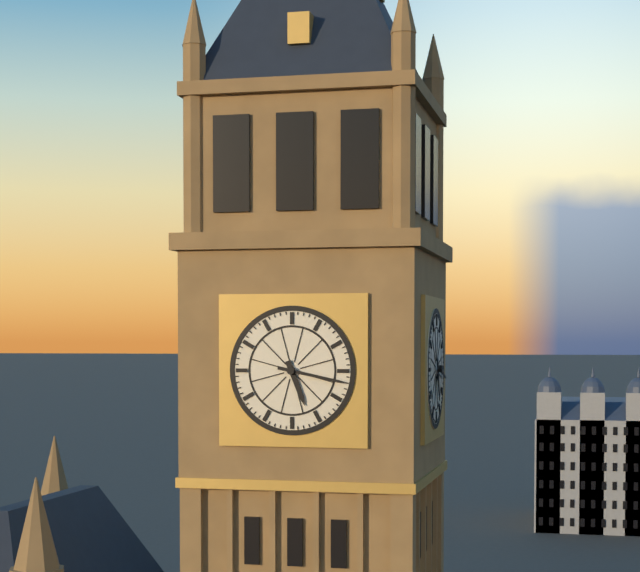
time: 5:17
